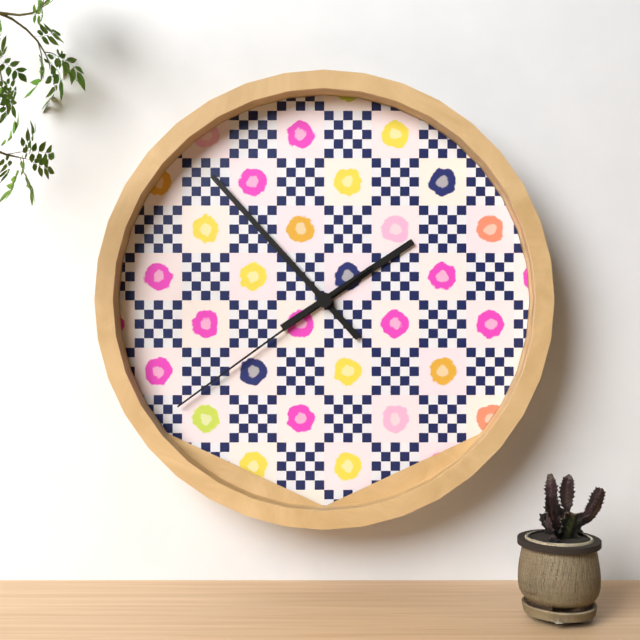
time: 1:53:39
